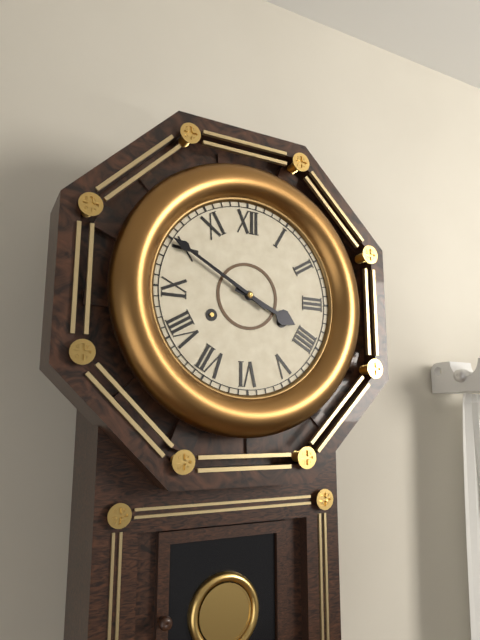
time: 3:50
